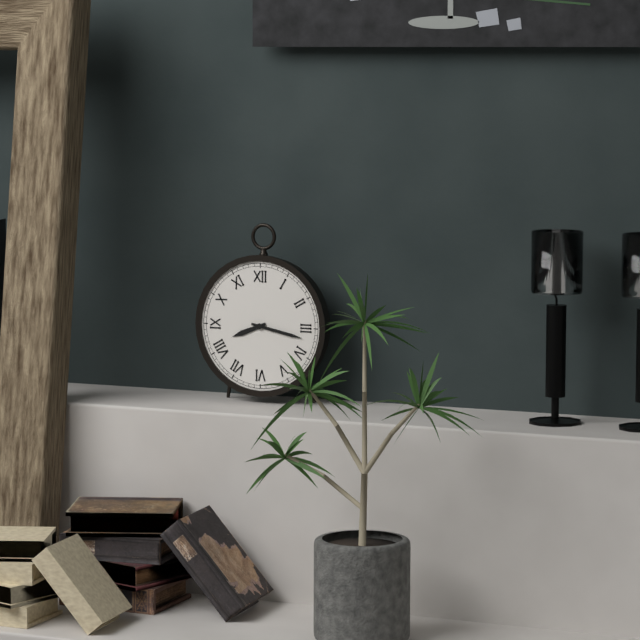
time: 8:17
